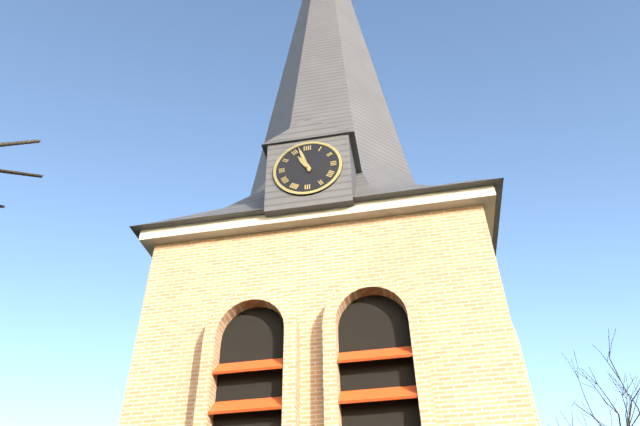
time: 10:57
